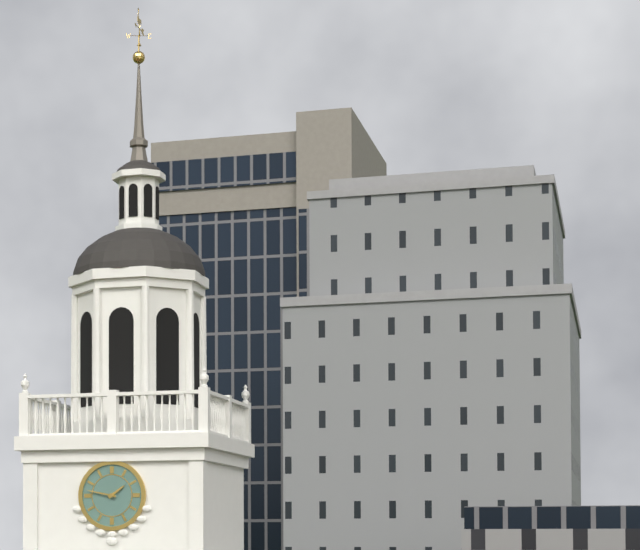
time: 1:47
